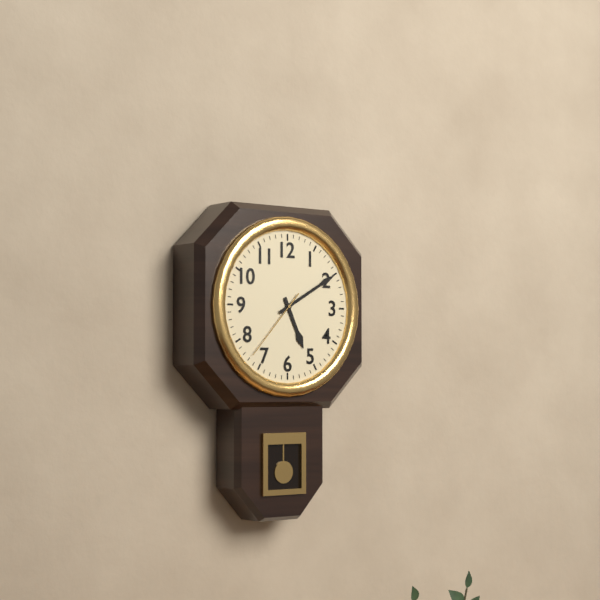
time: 5:10:37
